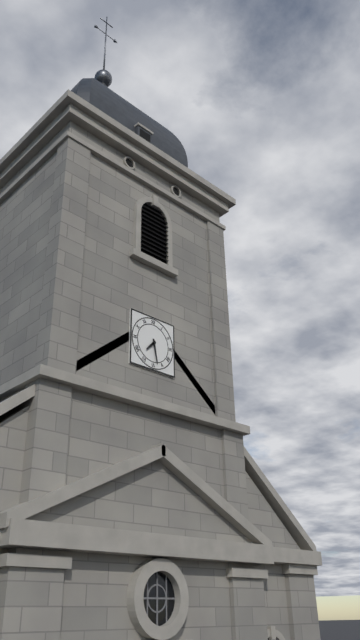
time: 7:28
